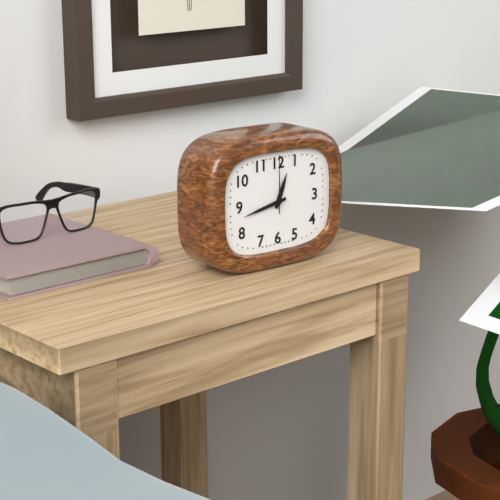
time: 12:43:00
